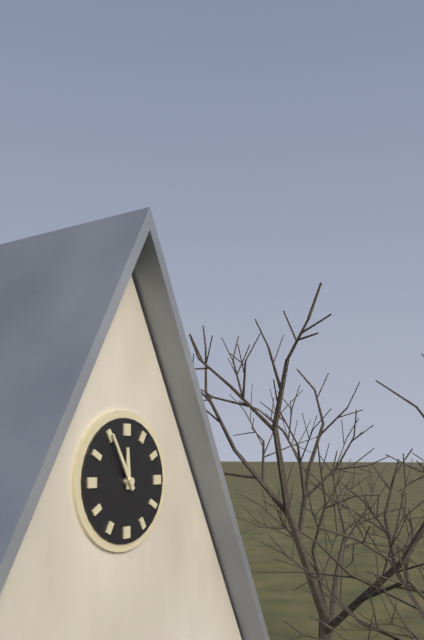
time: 11:55
